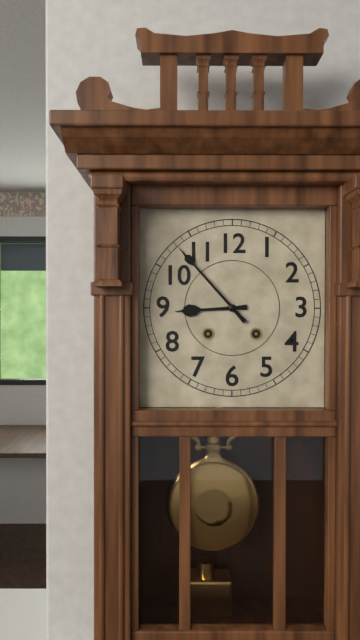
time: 8:53
